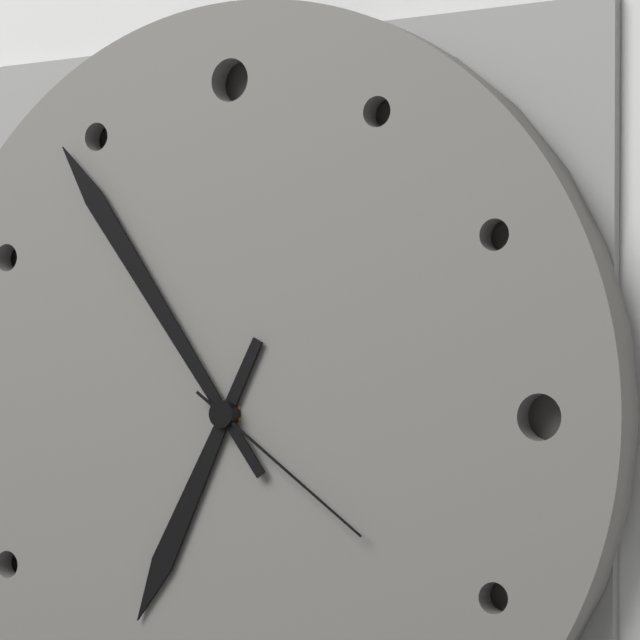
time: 6:54:21
